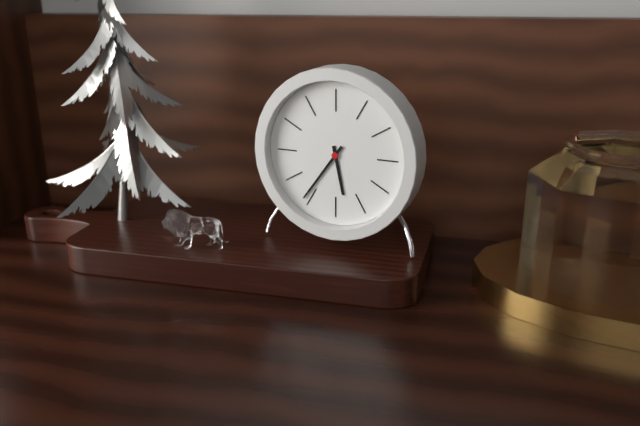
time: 5:36
